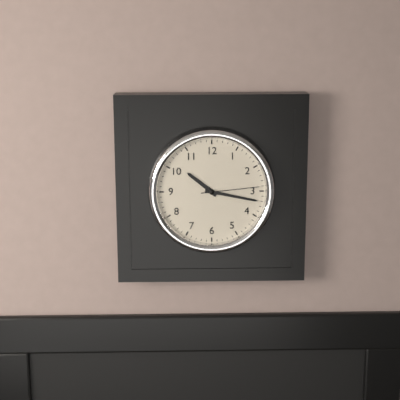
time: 10:17:14
